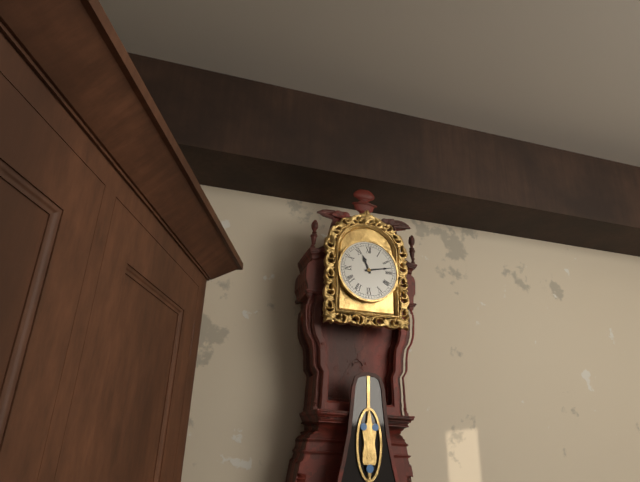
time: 11:13
